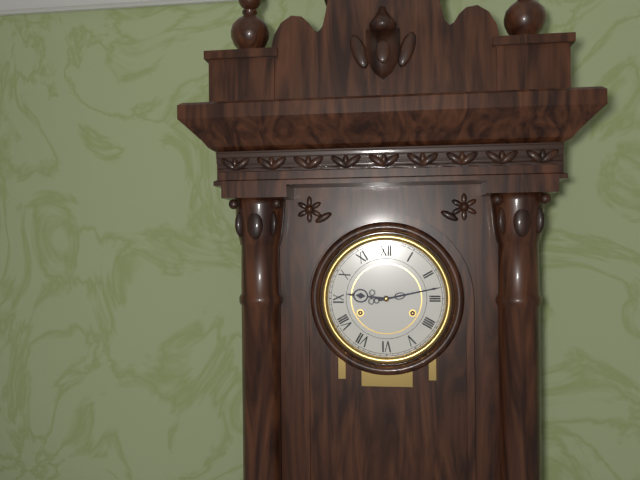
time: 9:13
